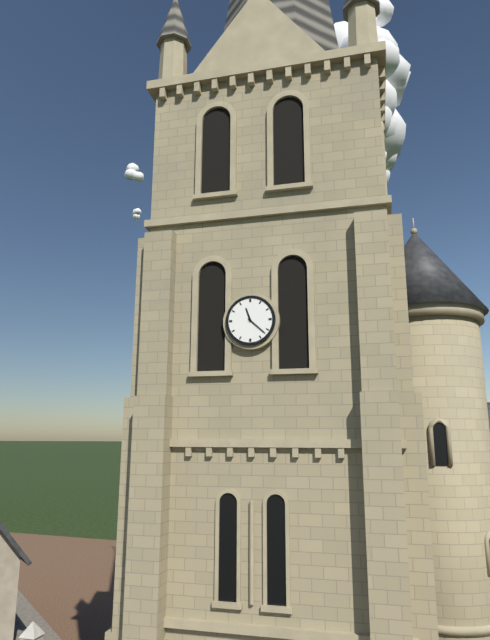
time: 11:22
